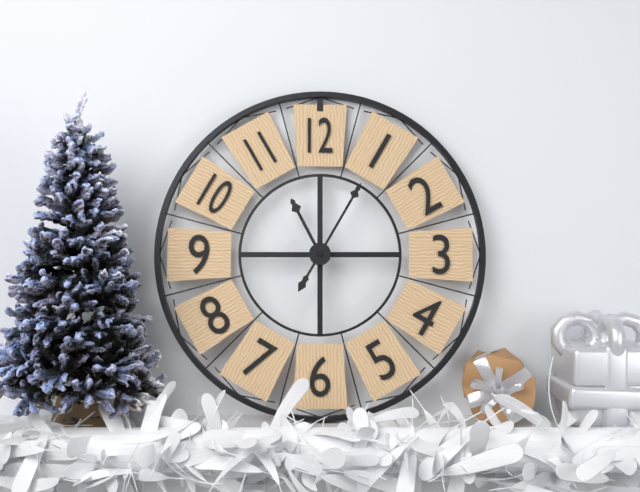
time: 11:05
